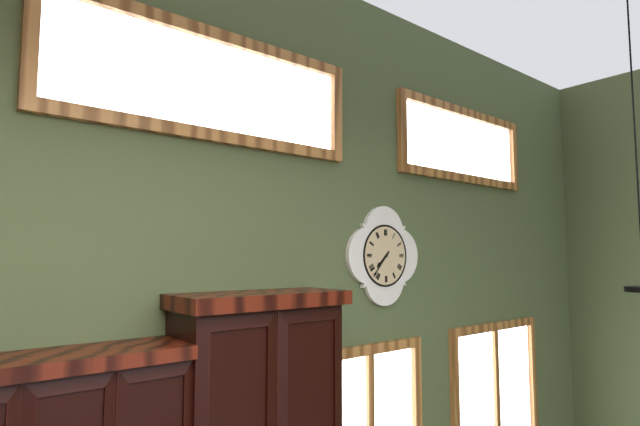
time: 7:37
